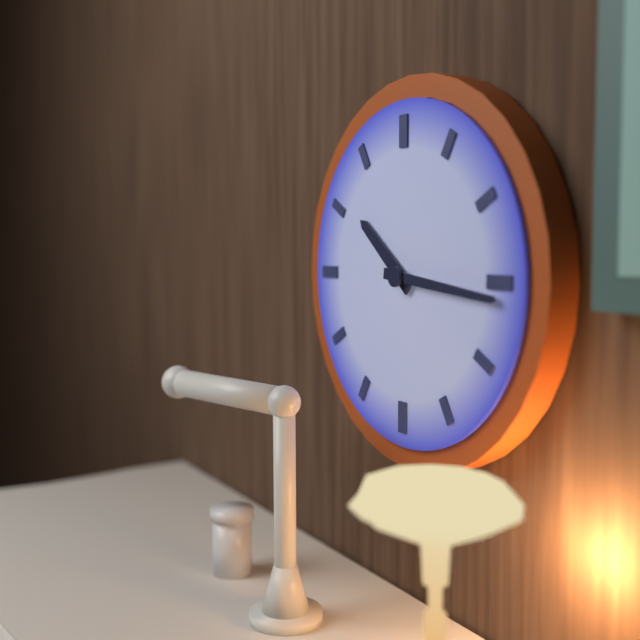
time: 10:16
